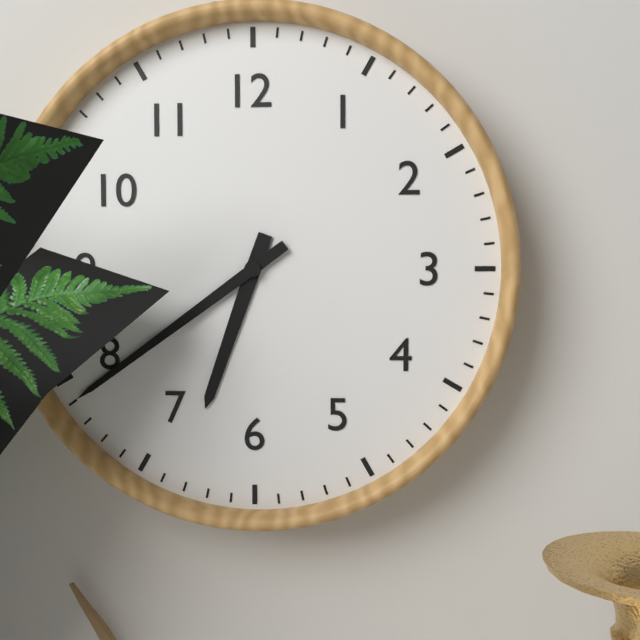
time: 6:39
